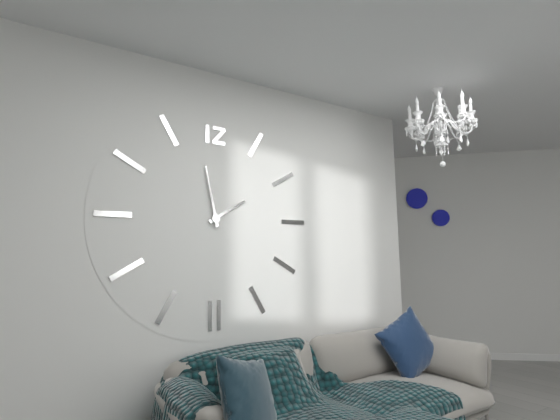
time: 1:58
